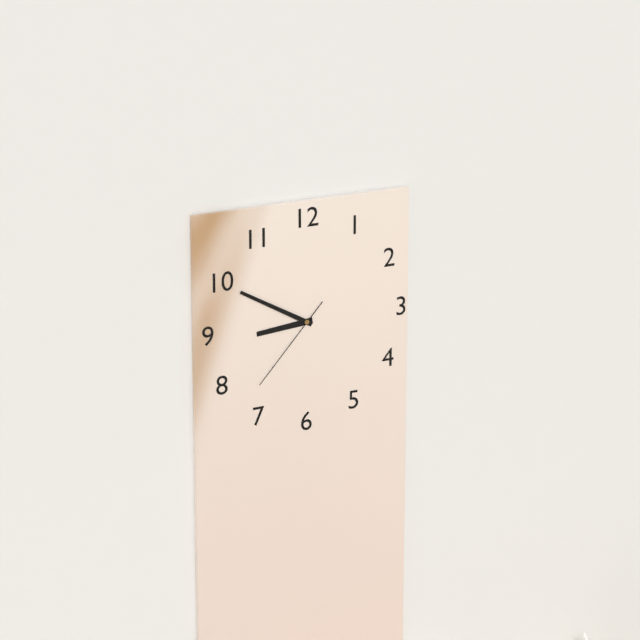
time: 8:50:37
